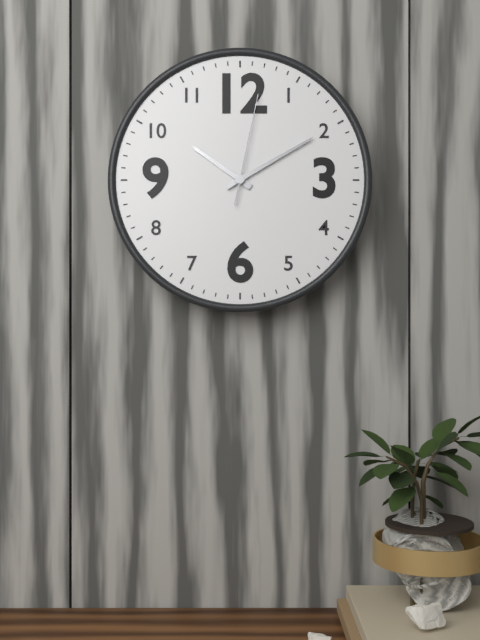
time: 10:10:02
